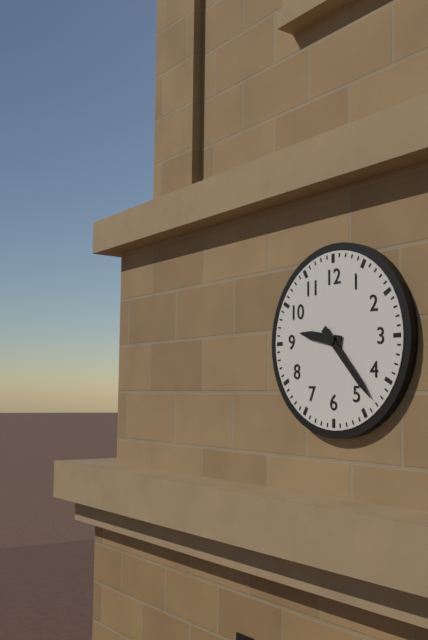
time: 9:23
